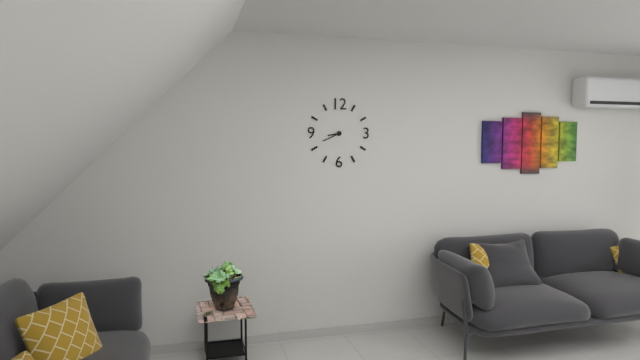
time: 8:41
